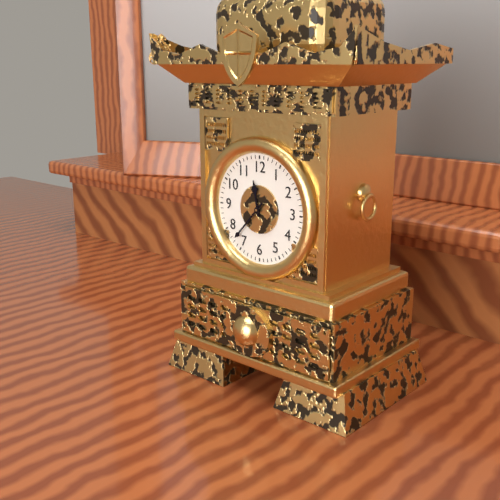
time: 11:37
